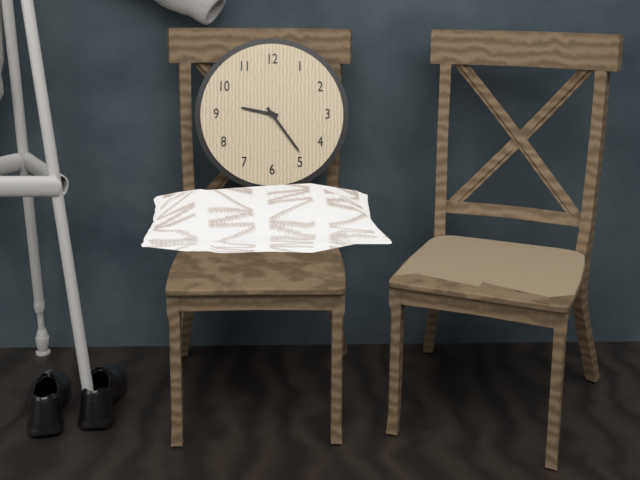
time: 9:24
